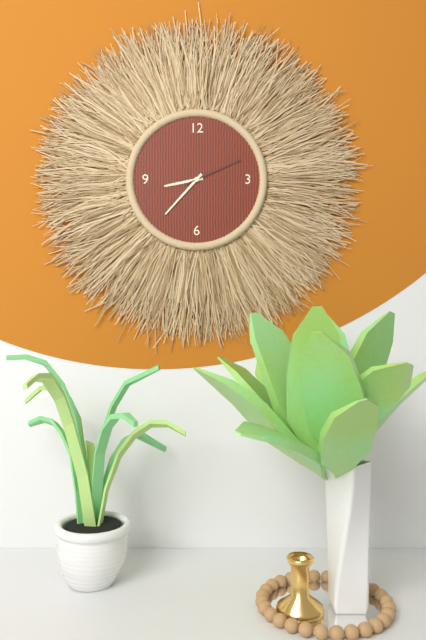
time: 8:37:11
